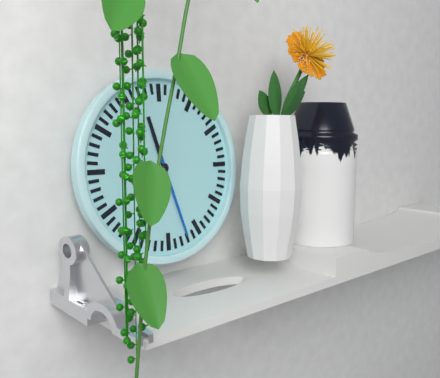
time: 11:27
